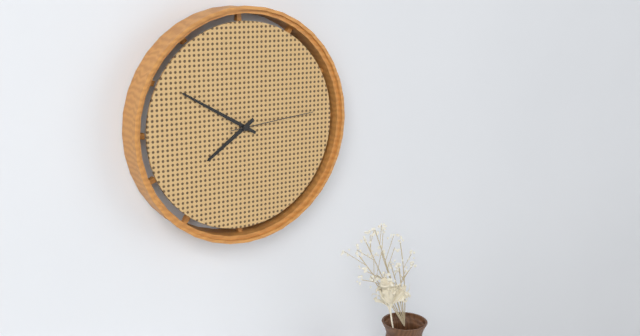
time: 7:50:14
